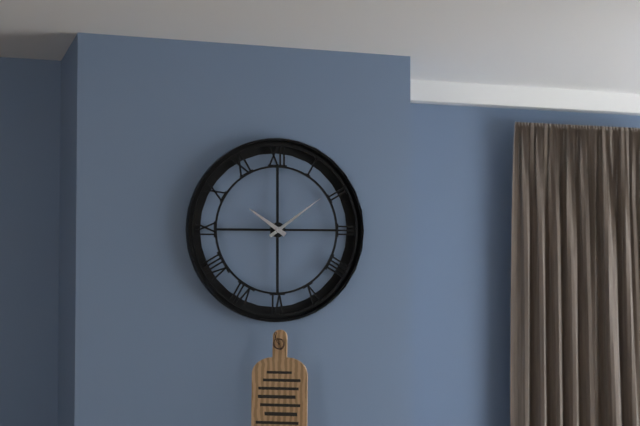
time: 10:09
